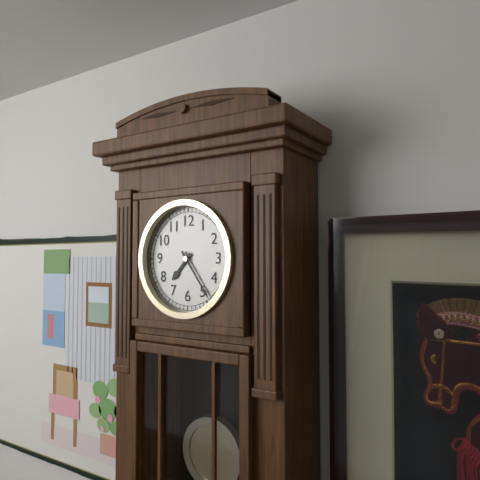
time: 7:24
